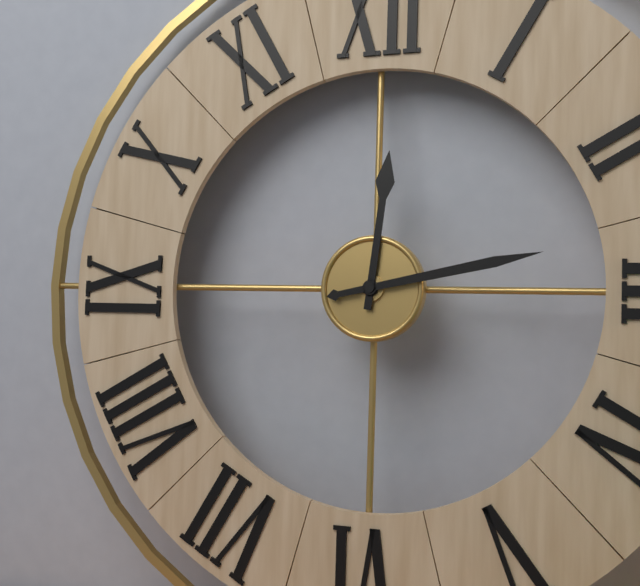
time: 12:13
